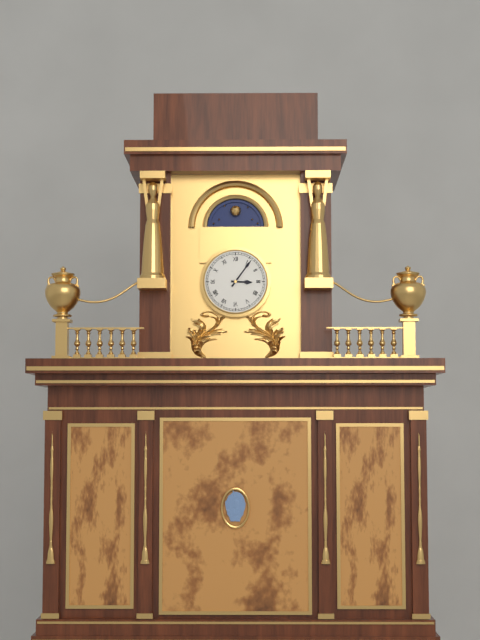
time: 3:06
